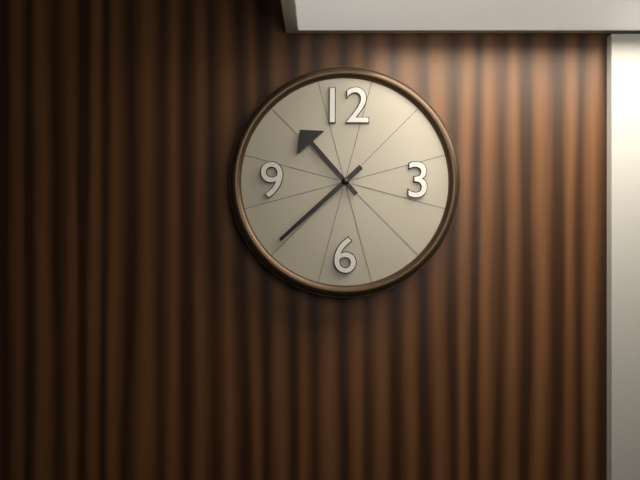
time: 10:38
